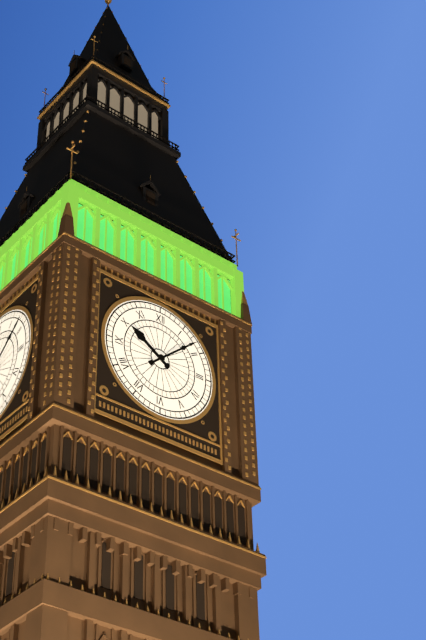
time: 10:08
